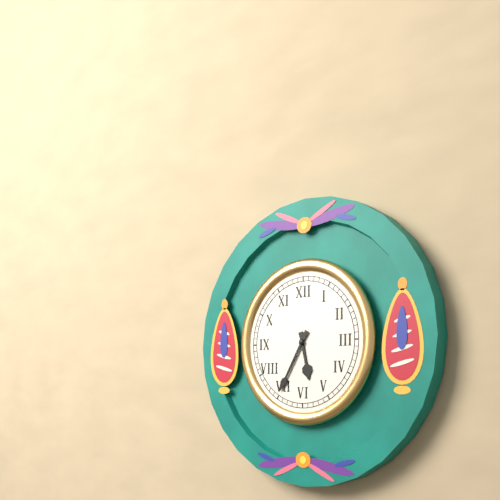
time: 5:35
